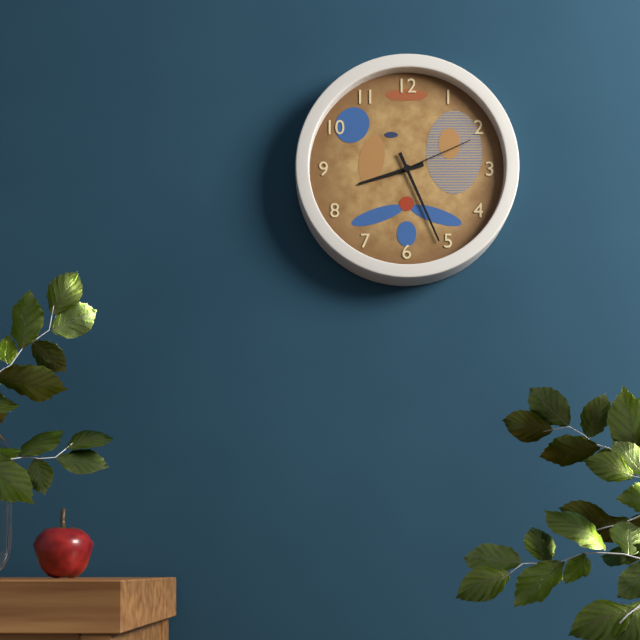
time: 8:26:11
